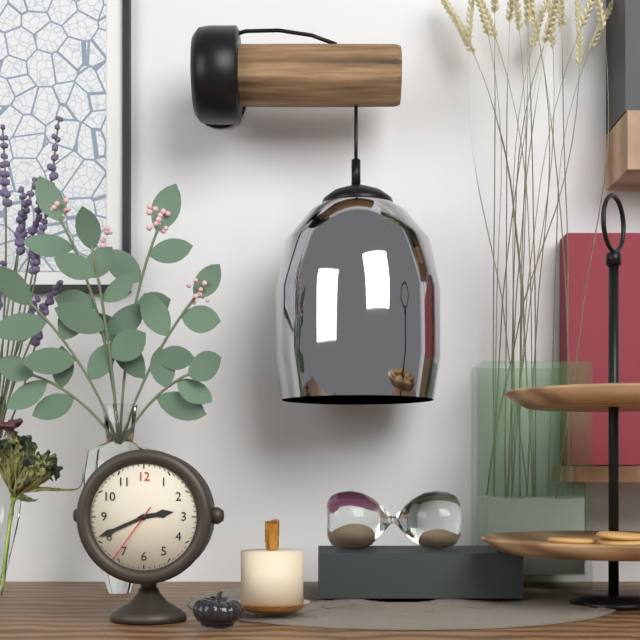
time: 2:41:36
